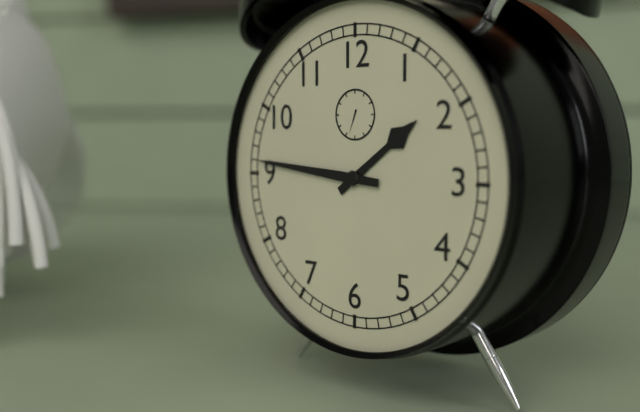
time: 1:46
